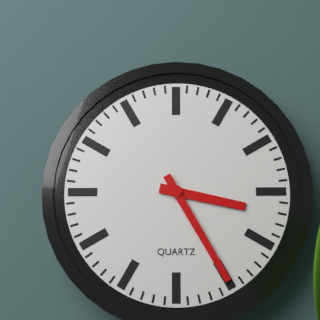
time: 3:25
